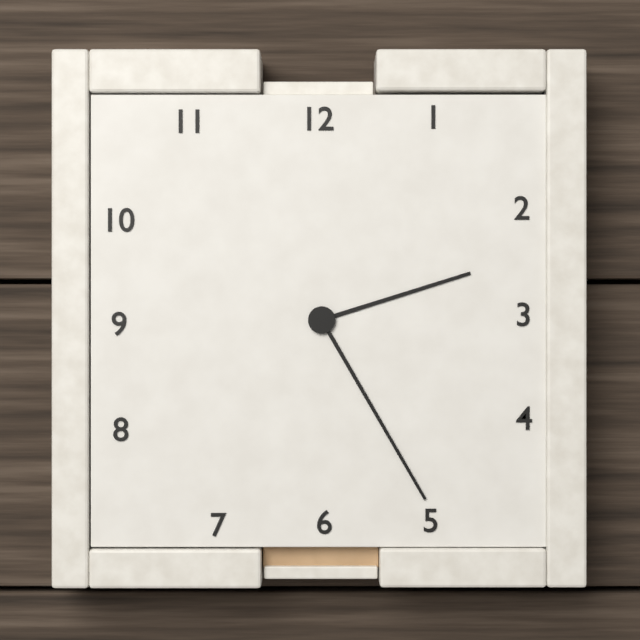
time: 2:25
